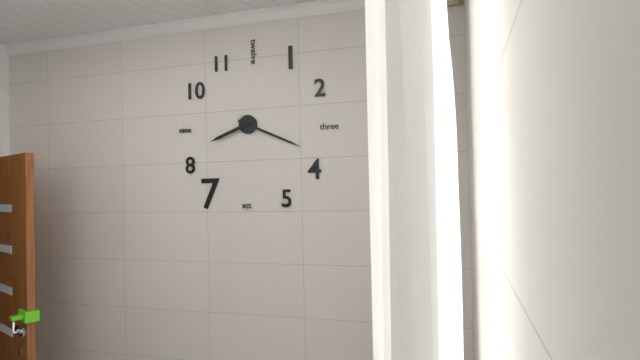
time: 8:19
